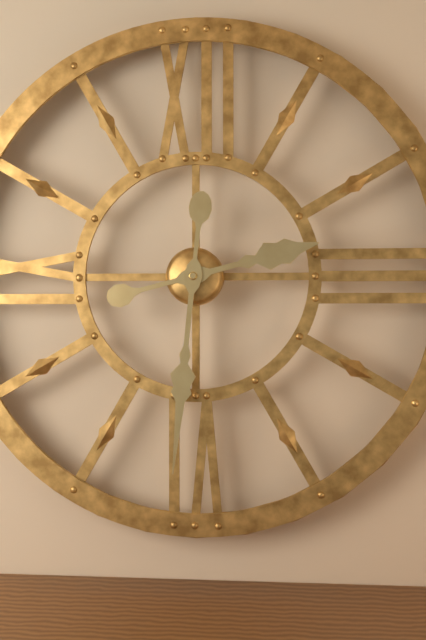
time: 2:31
